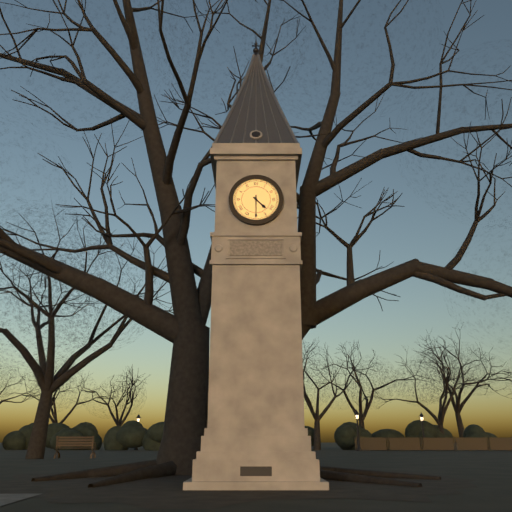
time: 4:30
